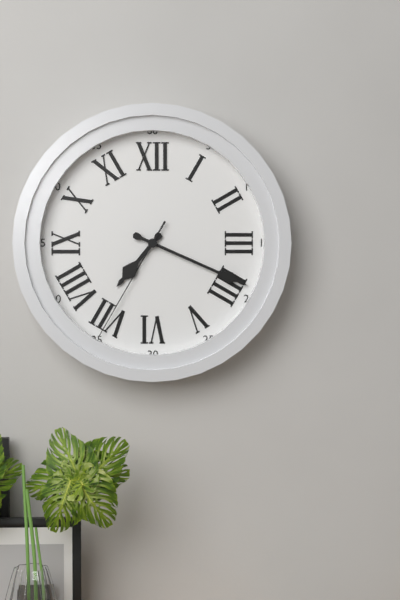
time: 7:19:35
